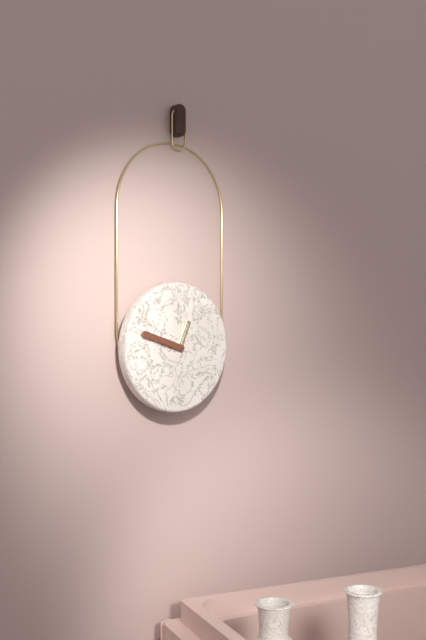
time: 12:48
